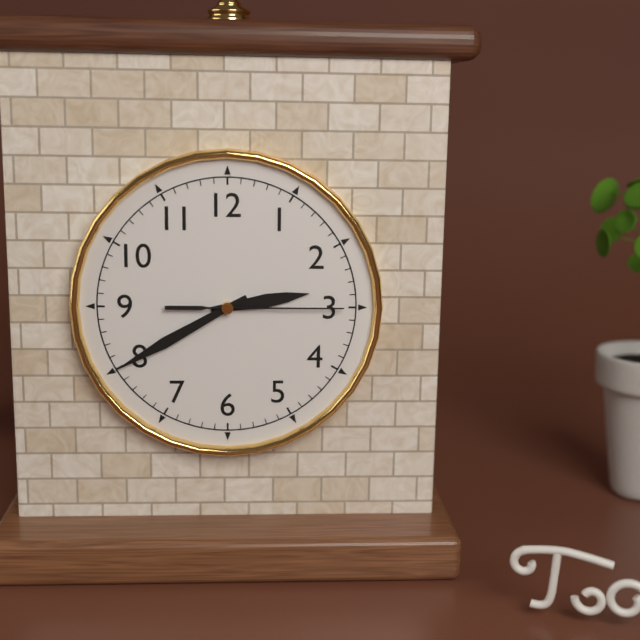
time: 2:40:15
